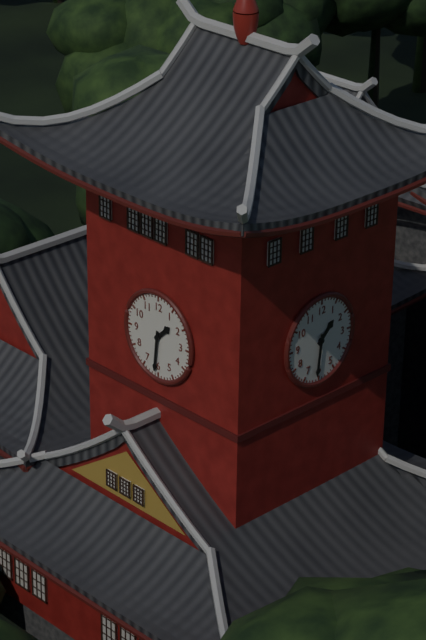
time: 1:31
